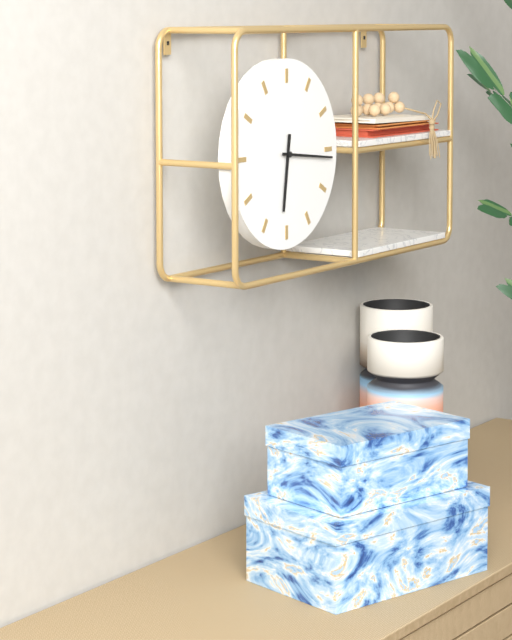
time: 6:16
